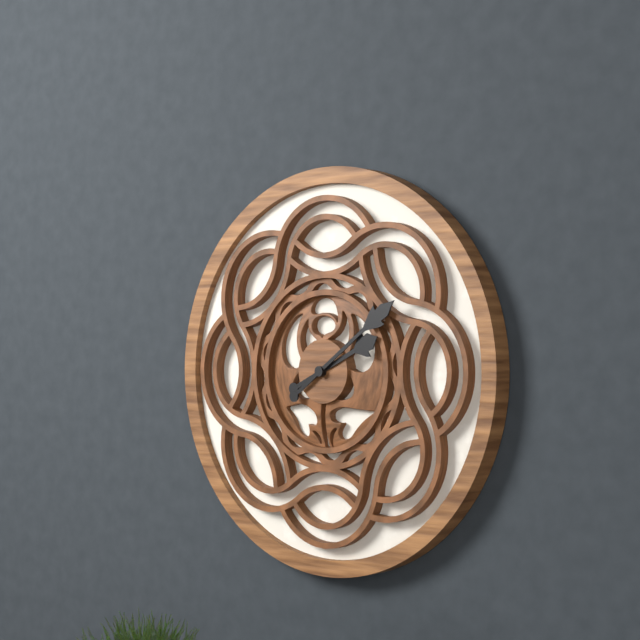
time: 2:09
